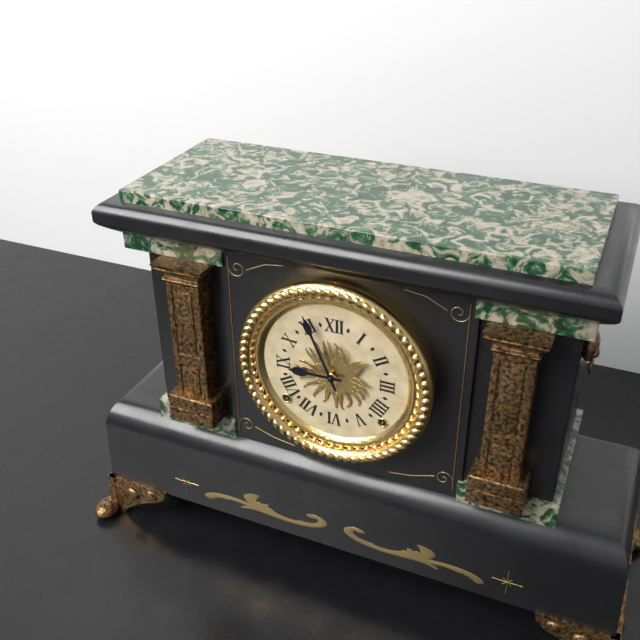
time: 8:56
